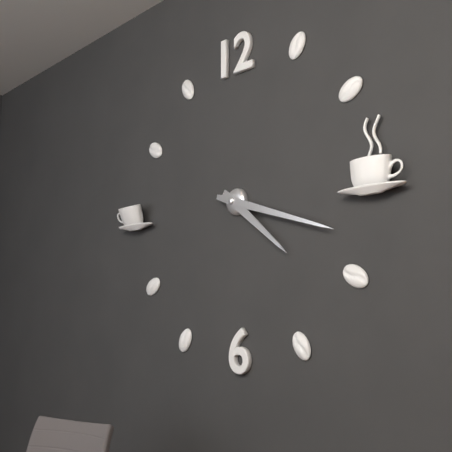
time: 4:18
